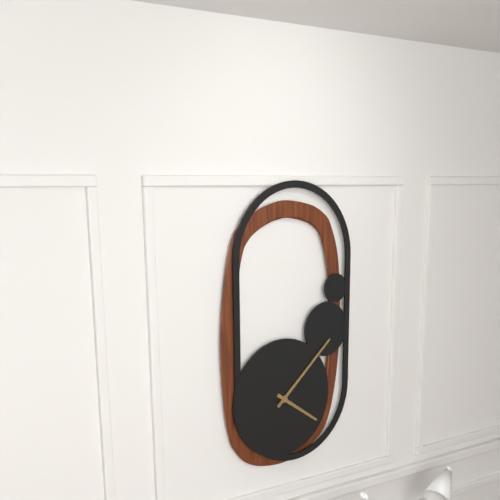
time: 4:08
